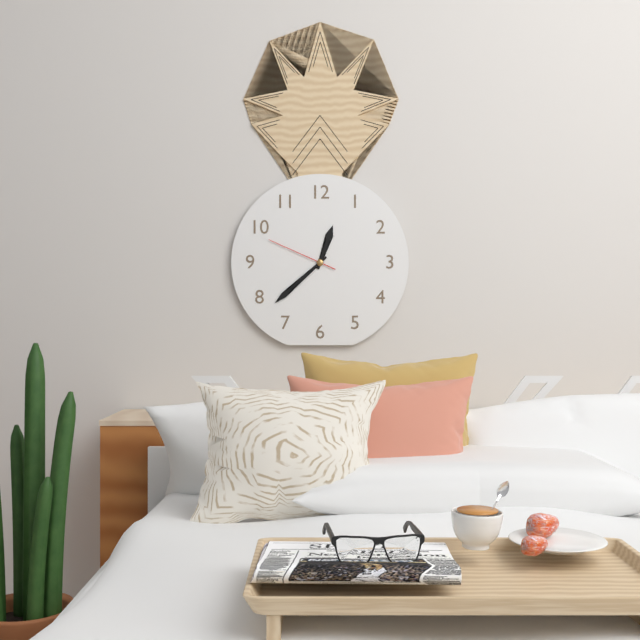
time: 12:38:49
